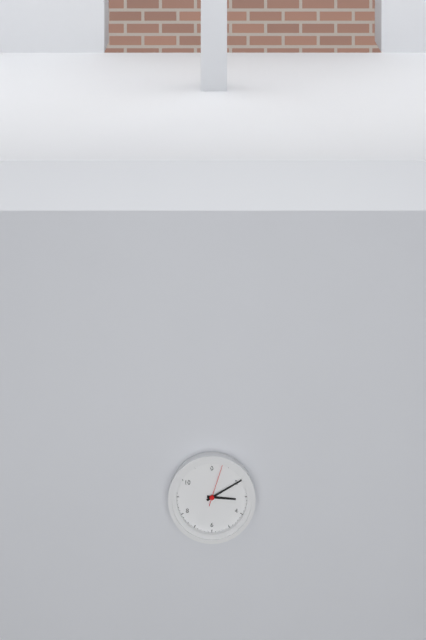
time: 3:10
